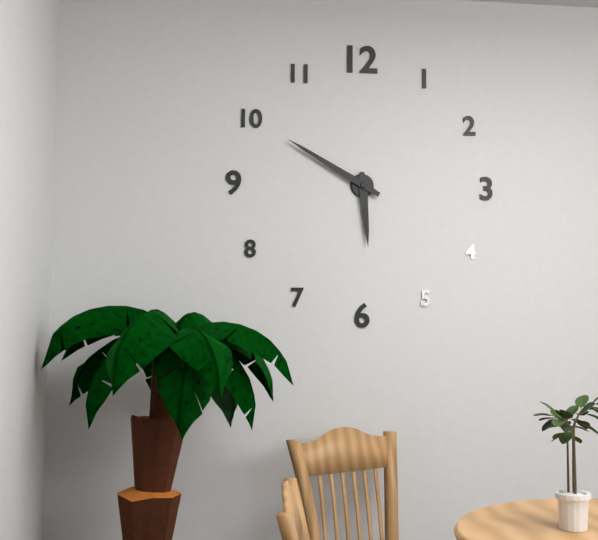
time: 5:50
